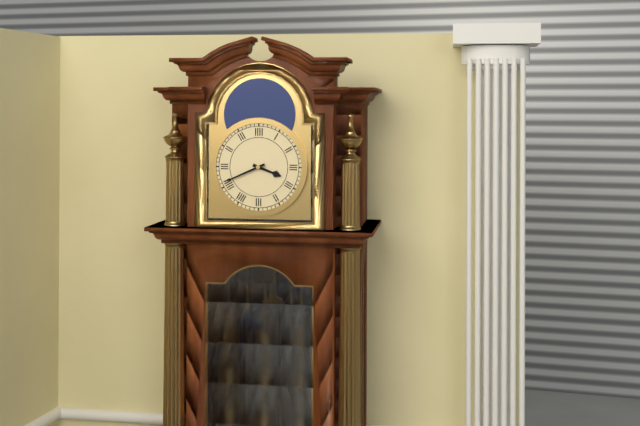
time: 3:41
